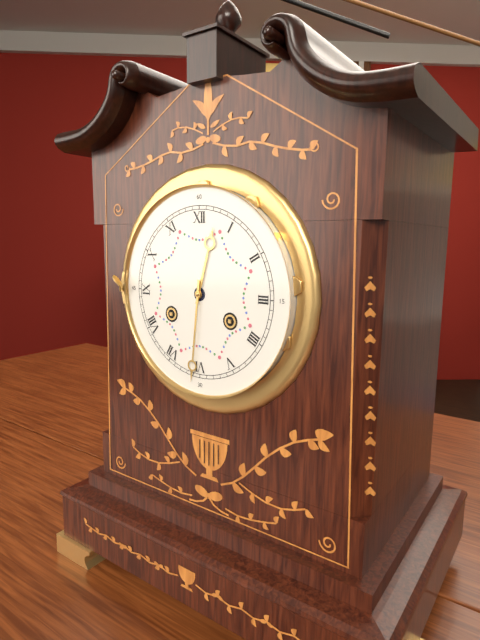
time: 12:31
